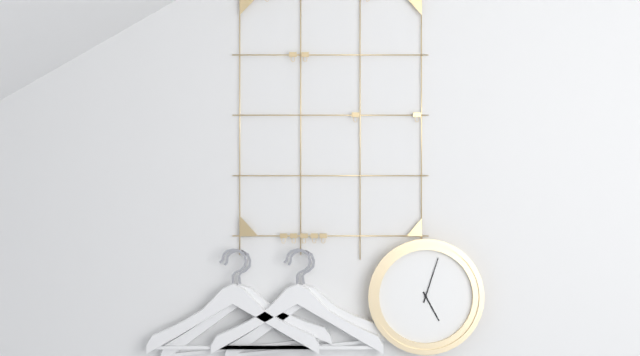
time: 5:03
